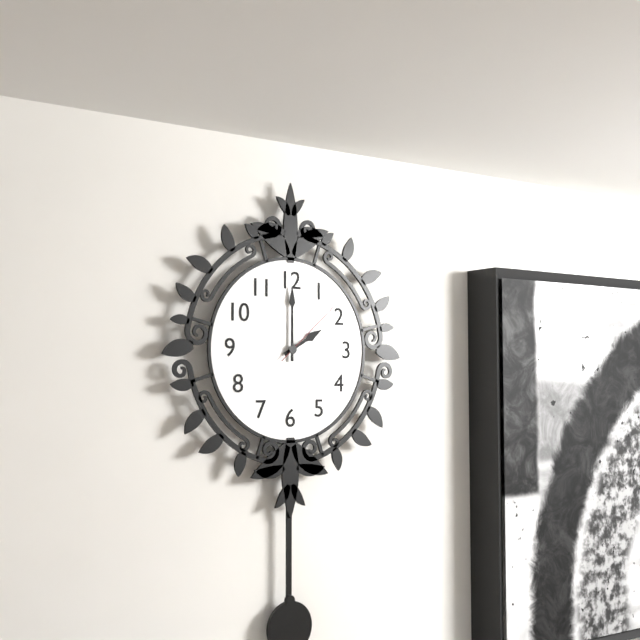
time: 2:00:08
